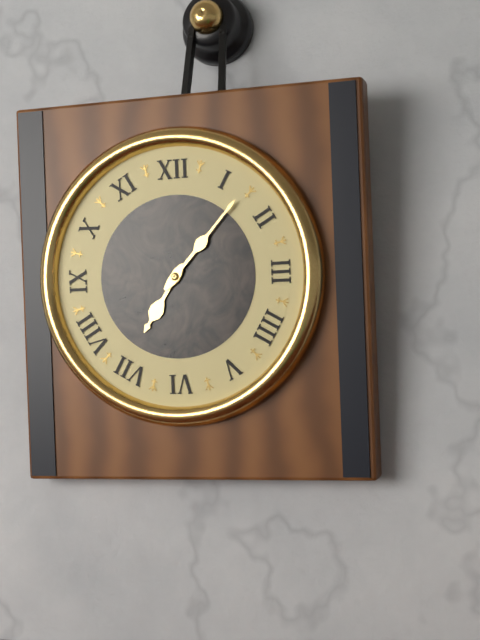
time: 7:07
